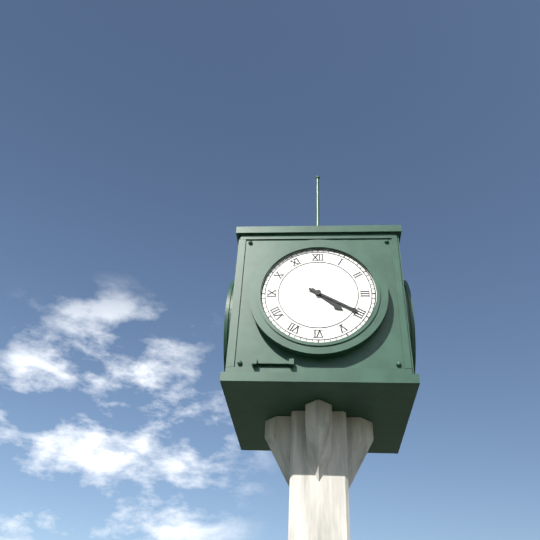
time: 4:20
